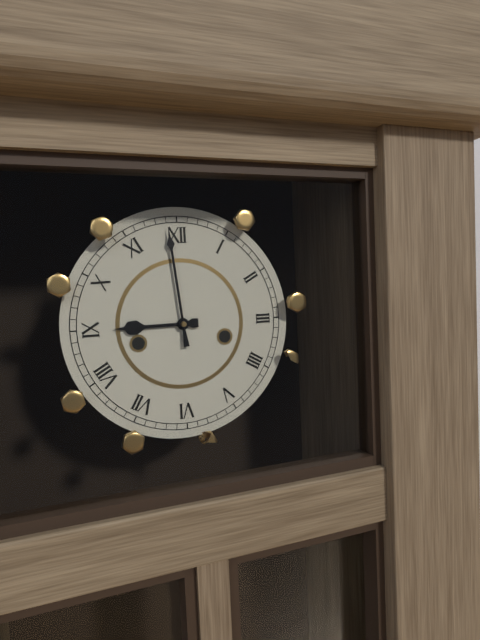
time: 8:59
